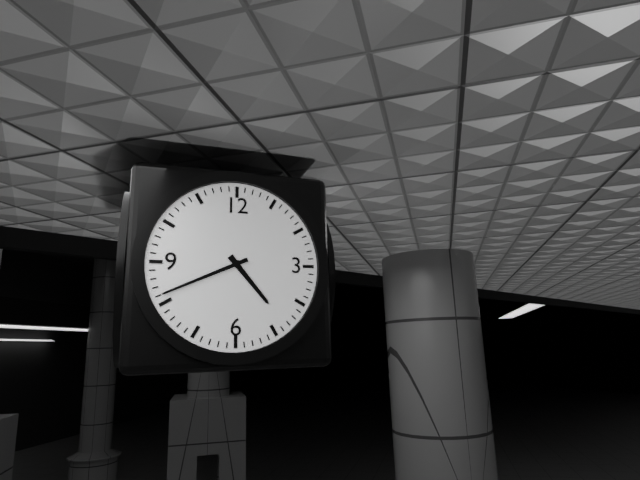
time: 4:41
